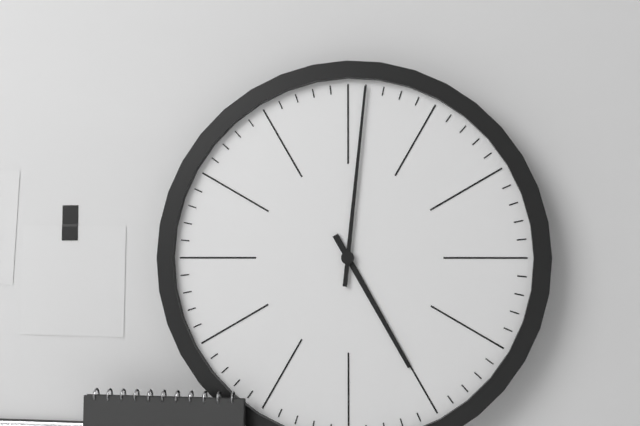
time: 5:01
